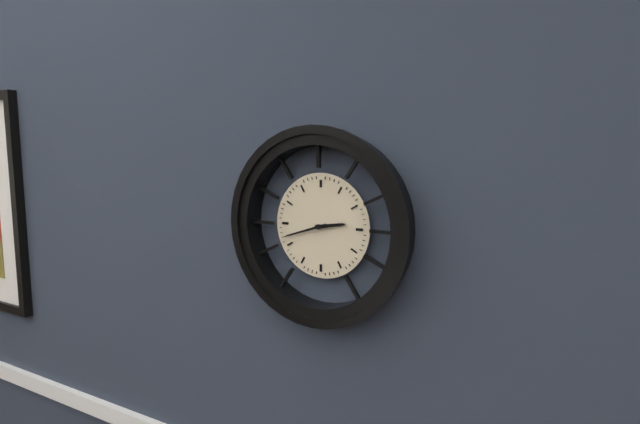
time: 2:42
